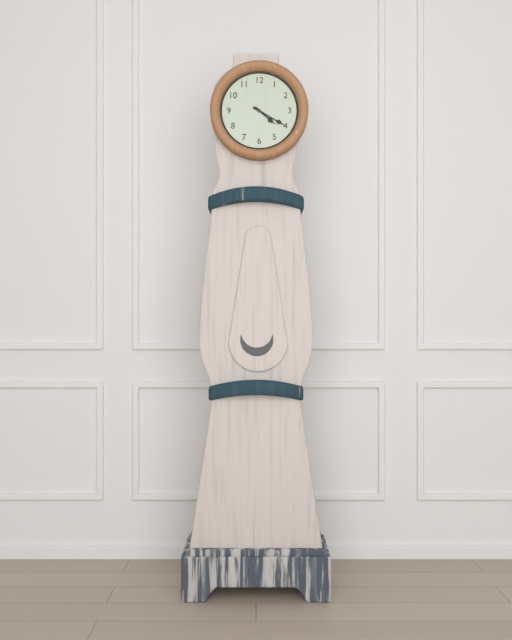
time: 4:20
